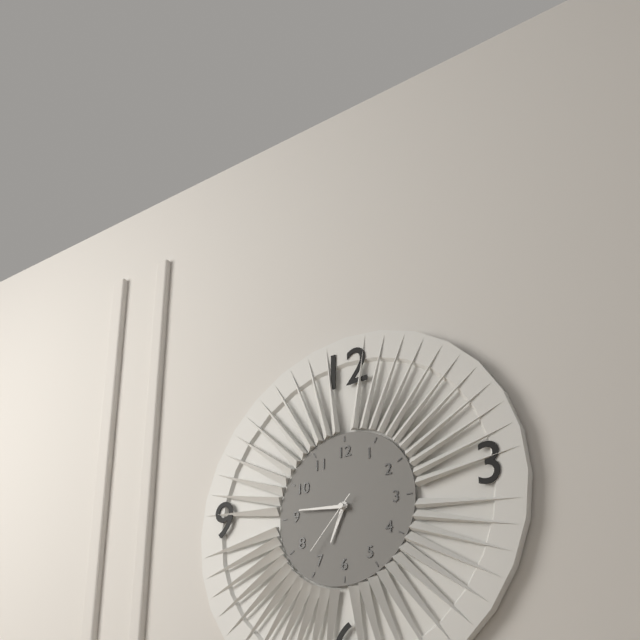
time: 6:46:37
